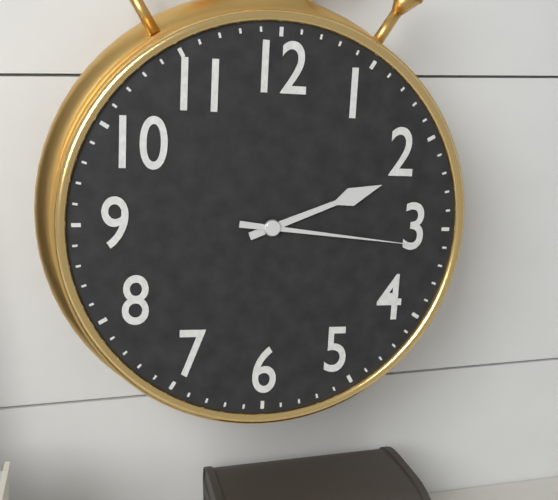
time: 2:16
